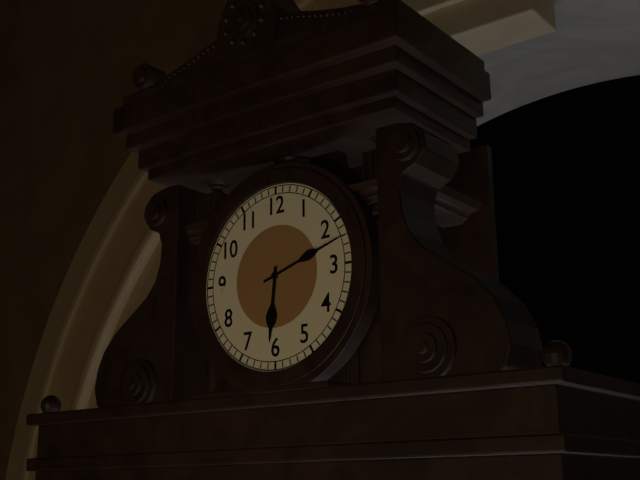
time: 6:12
